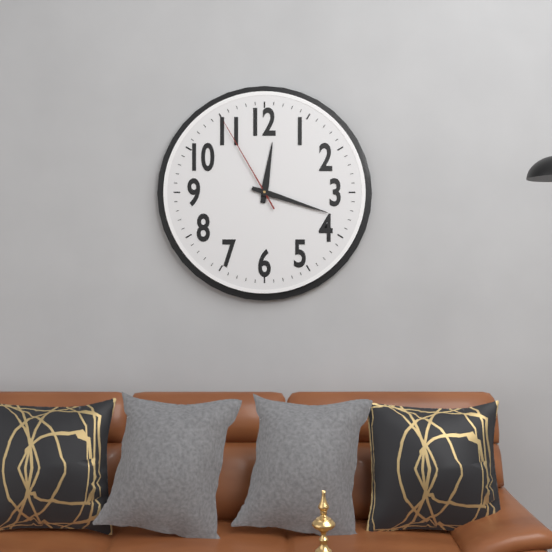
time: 12:18:55
